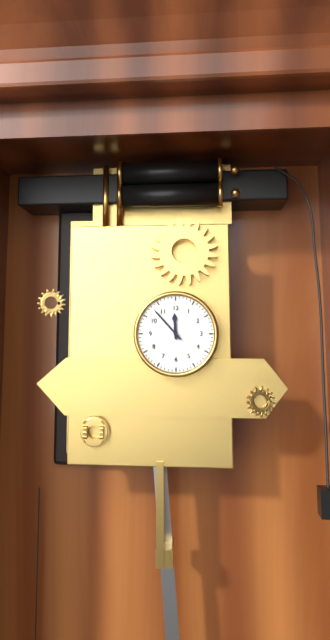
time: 11:53
